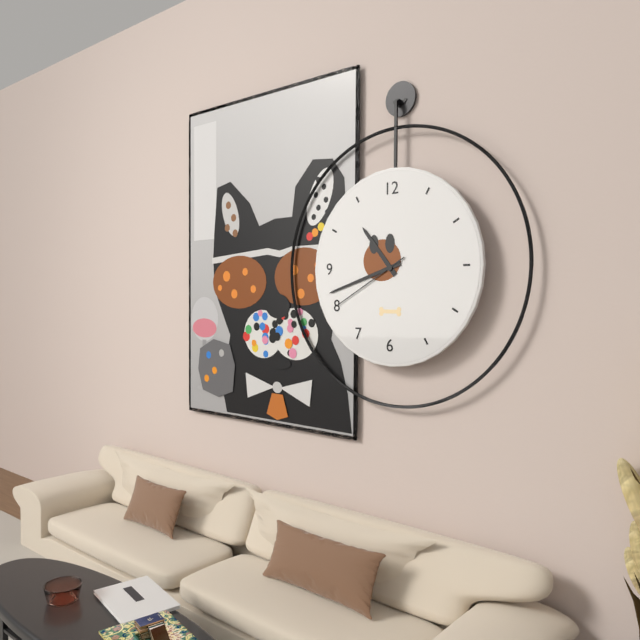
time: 10:42:40
